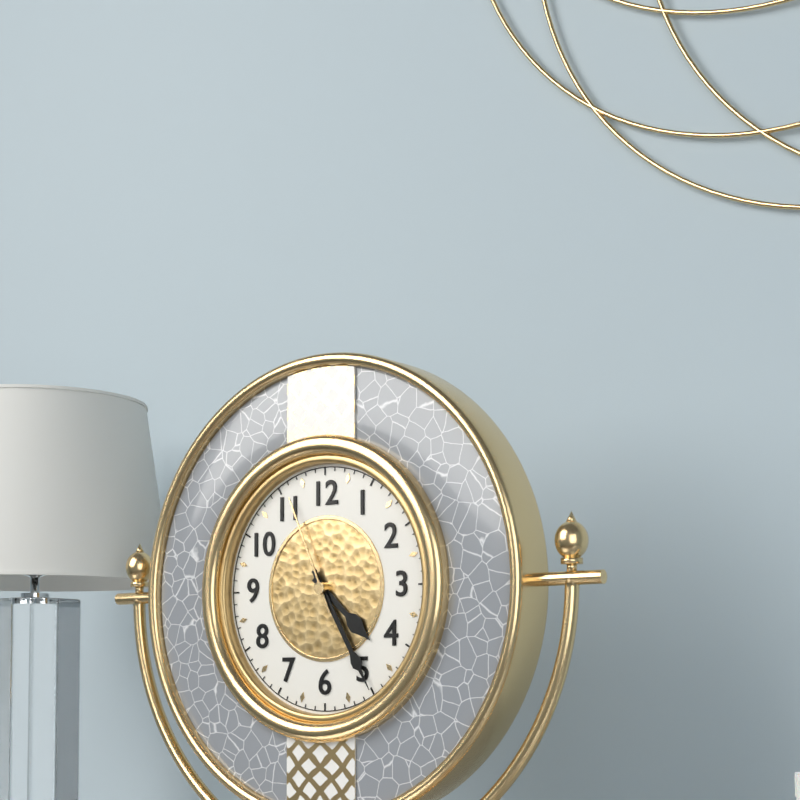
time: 4:25:56
